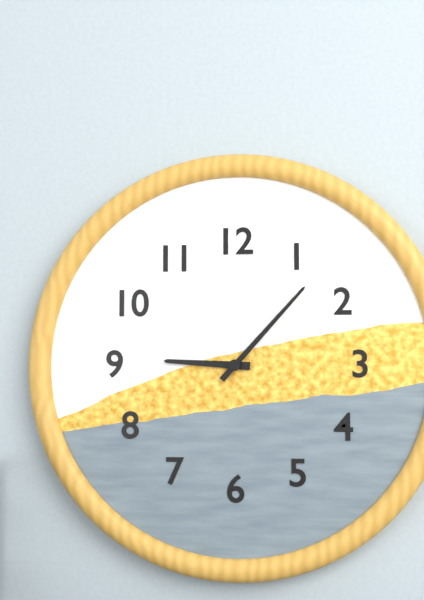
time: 9:07
